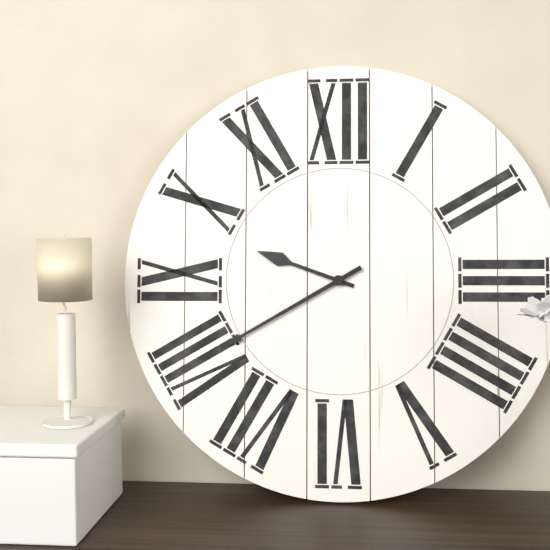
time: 9:40
